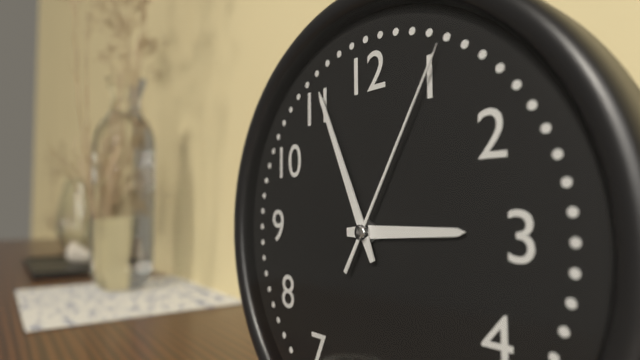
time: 2:56:05
